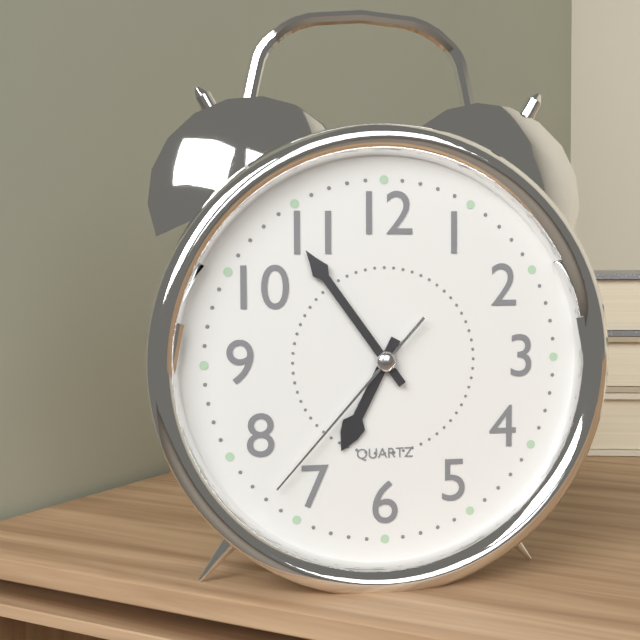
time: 6:54:37
